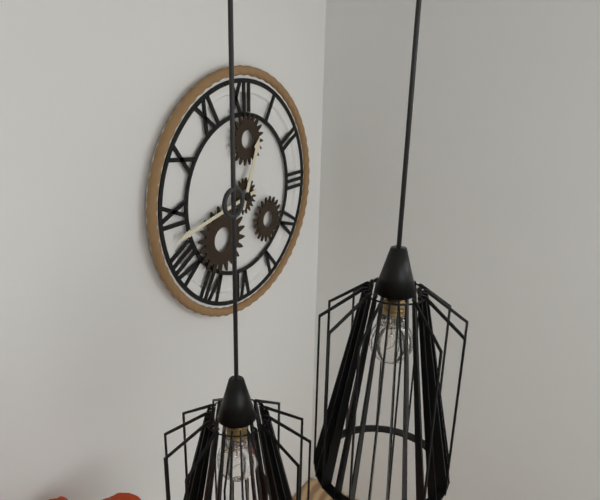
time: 12:43
